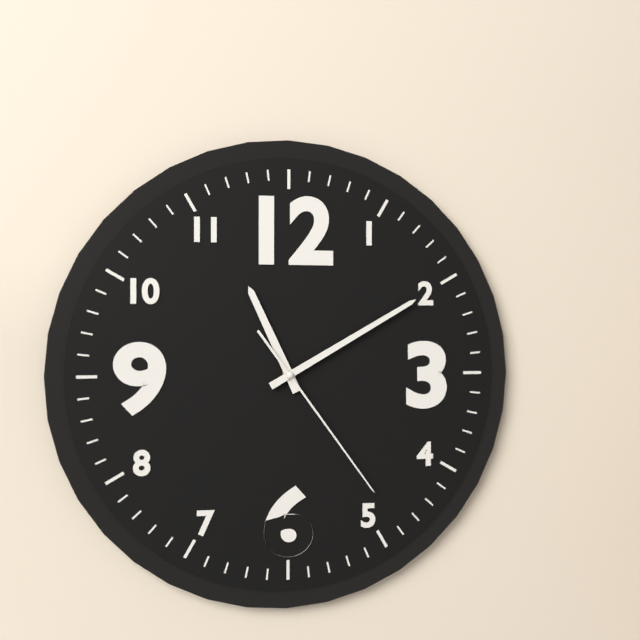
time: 11:10:24
